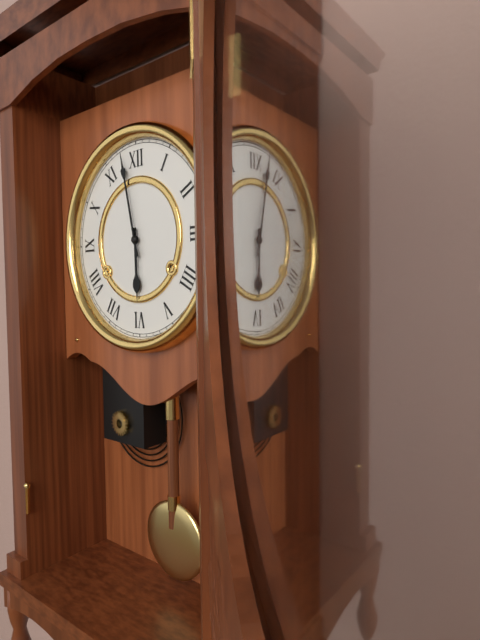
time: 5:58
